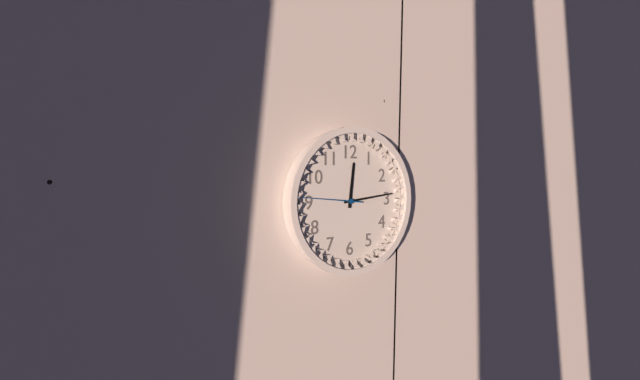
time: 12:14:46
